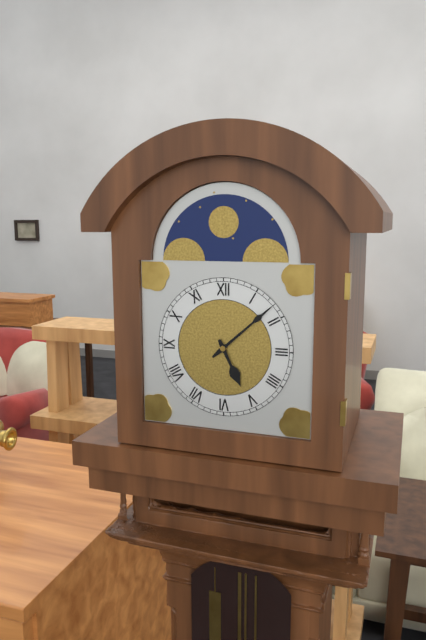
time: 5:08
